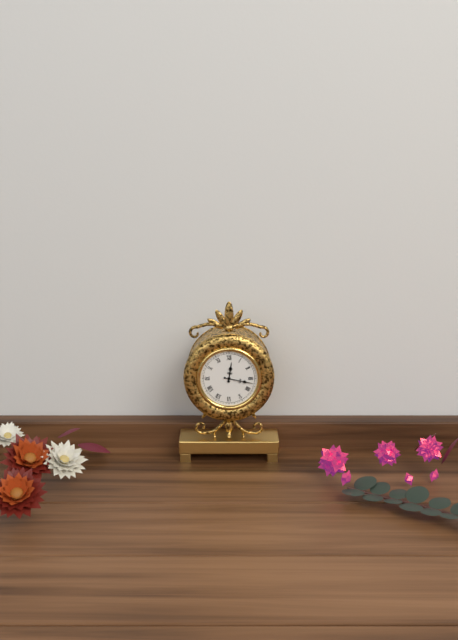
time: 12:17
